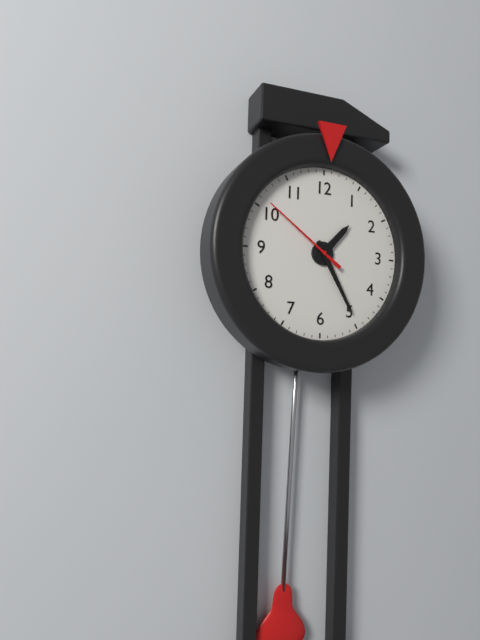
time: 1:25:51
